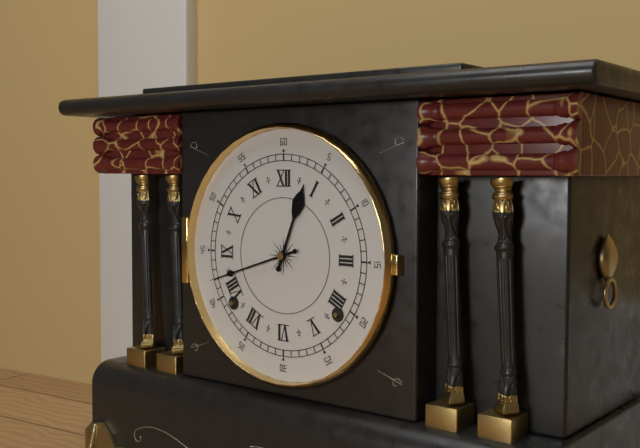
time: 12:42
